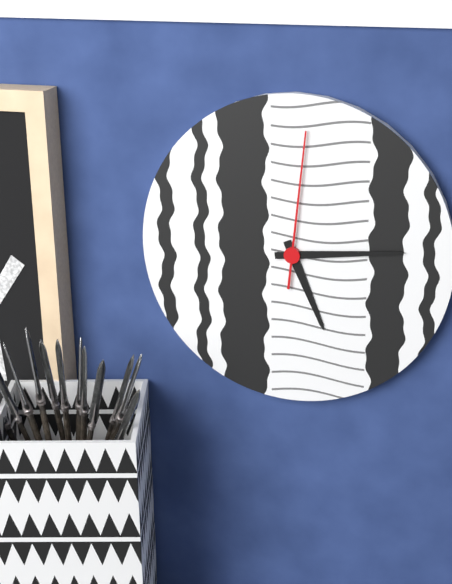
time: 5:14:01
